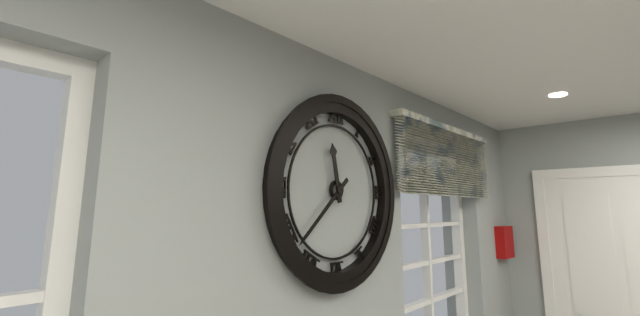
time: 11:38
